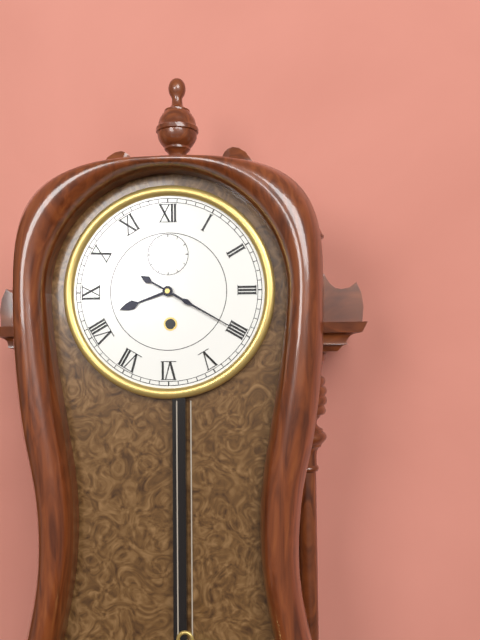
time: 8:20
